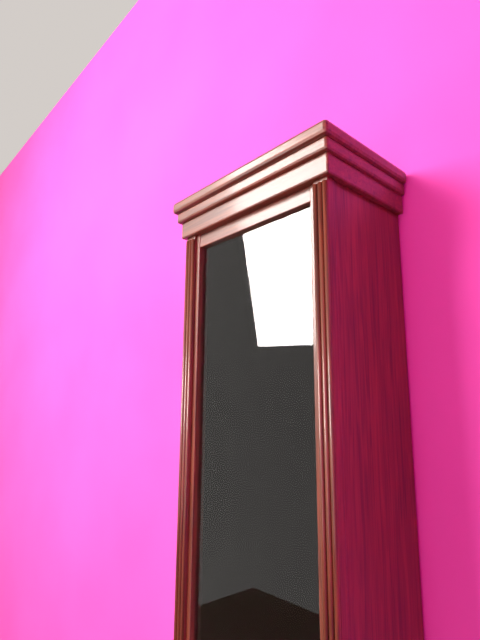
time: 12:21
